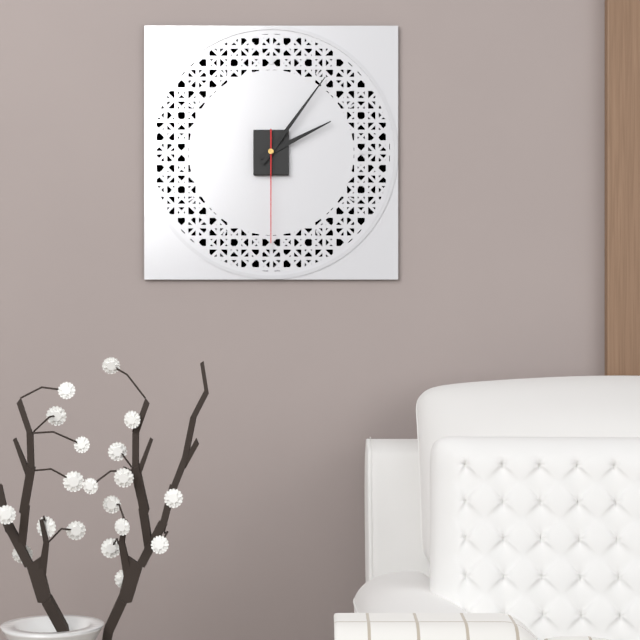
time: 2:06:30
